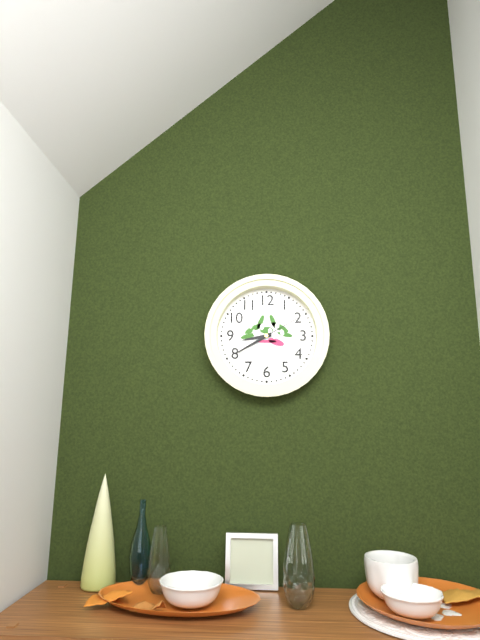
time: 8:40:10
